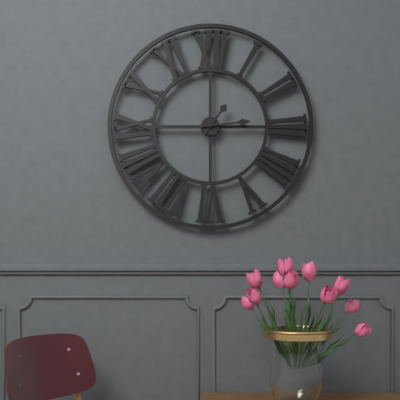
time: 1:14
